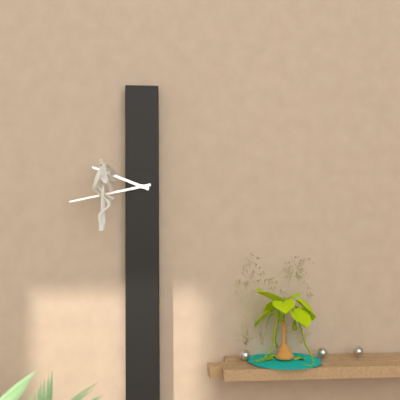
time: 9:43
